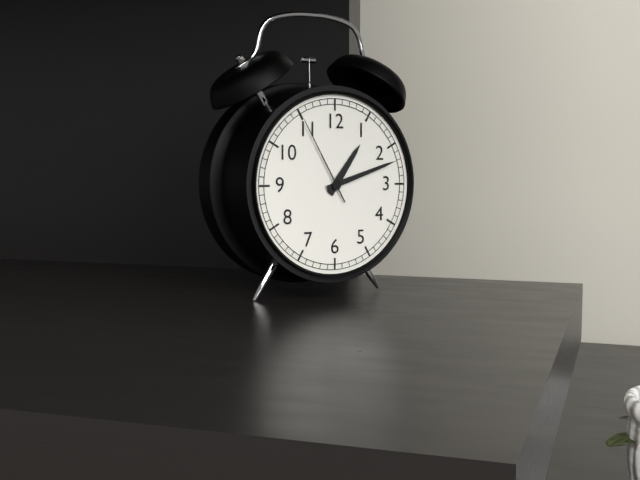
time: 1:12:55
